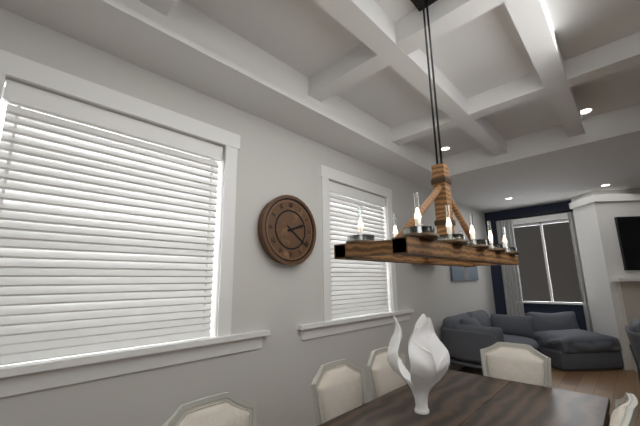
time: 2:21
